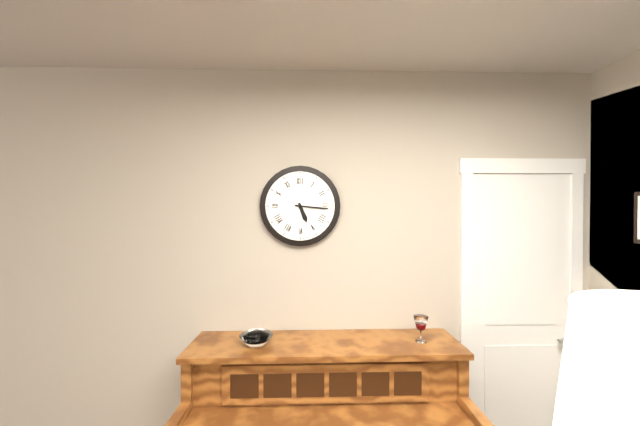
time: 5:16
